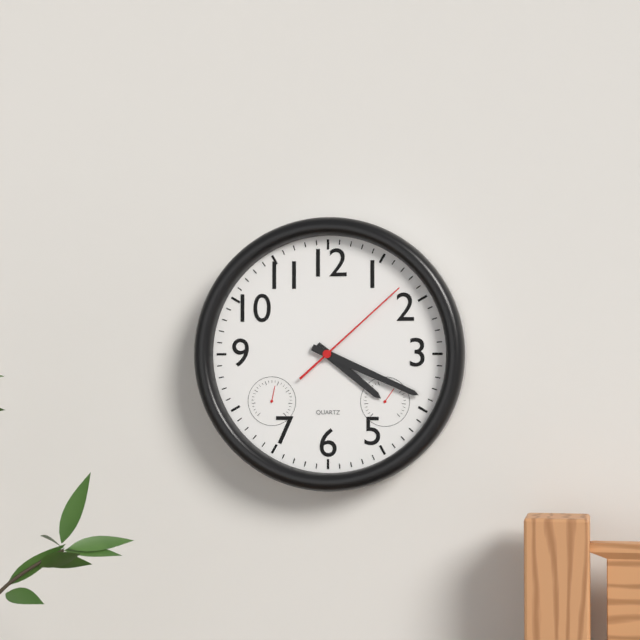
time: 4:19:08
